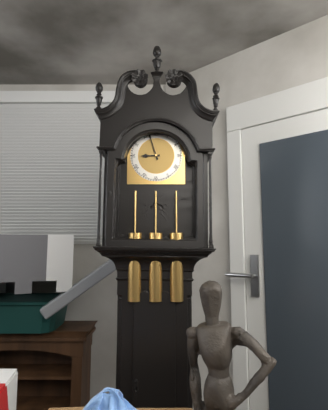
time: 8:57
